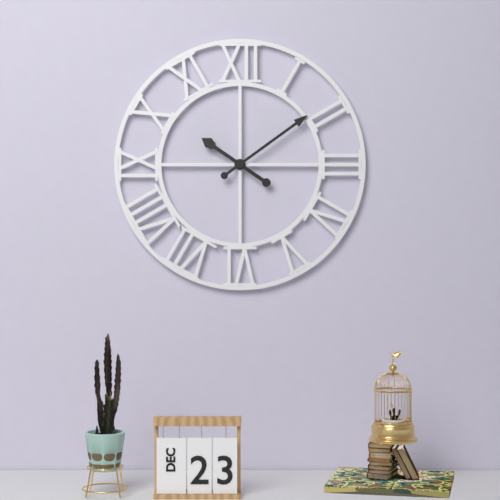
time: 10:09
